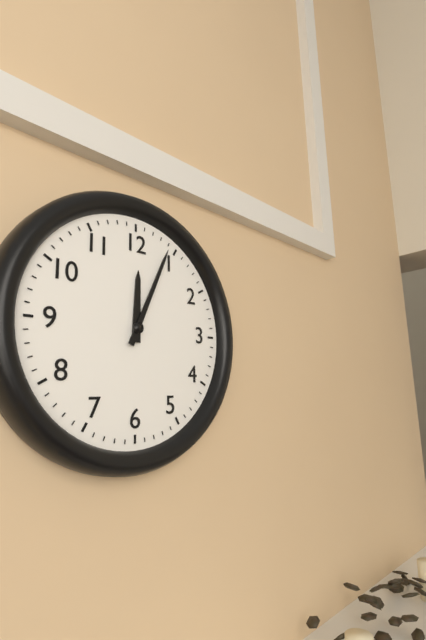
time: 12:04
